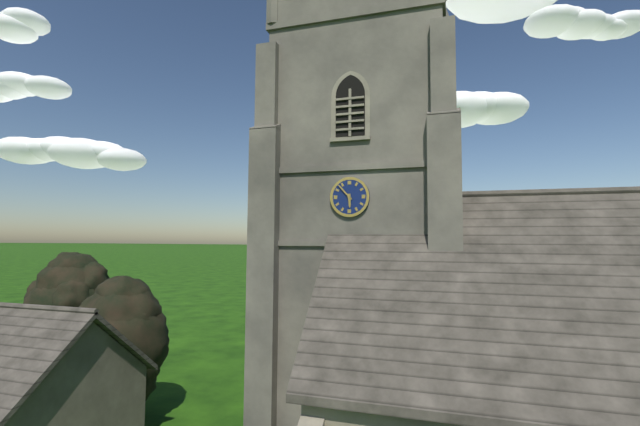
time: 5:53
